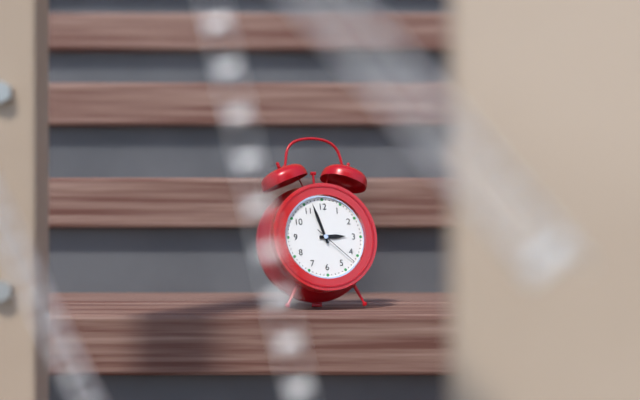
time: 2:57
